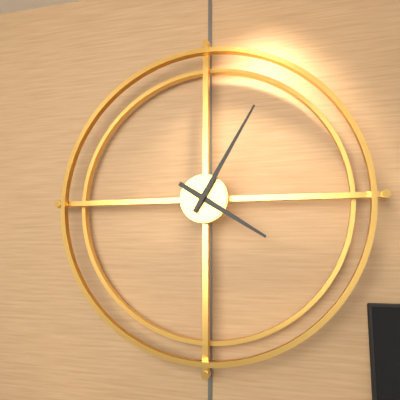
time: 4:05
